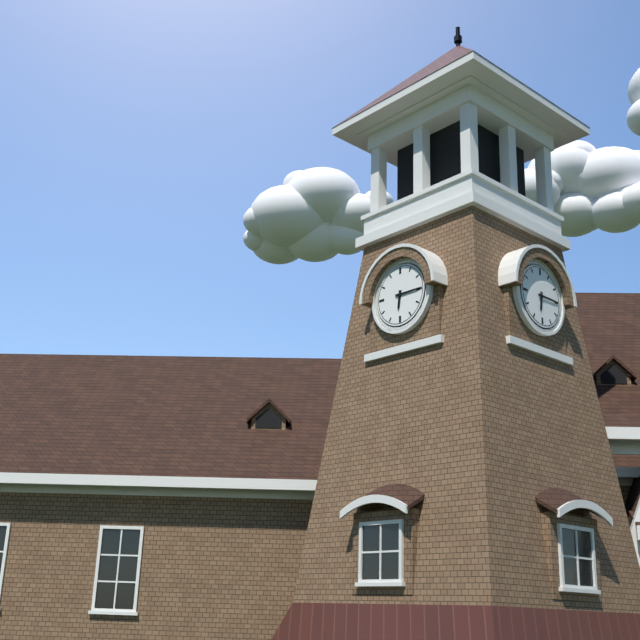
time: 6:15
